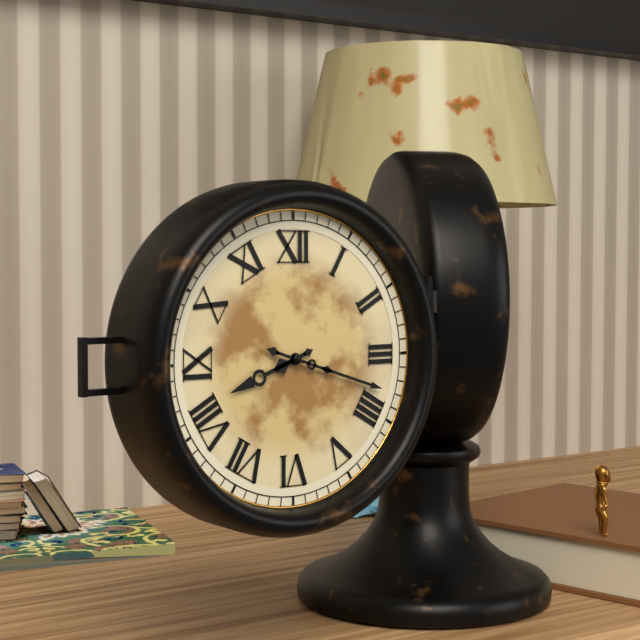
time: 8:18
